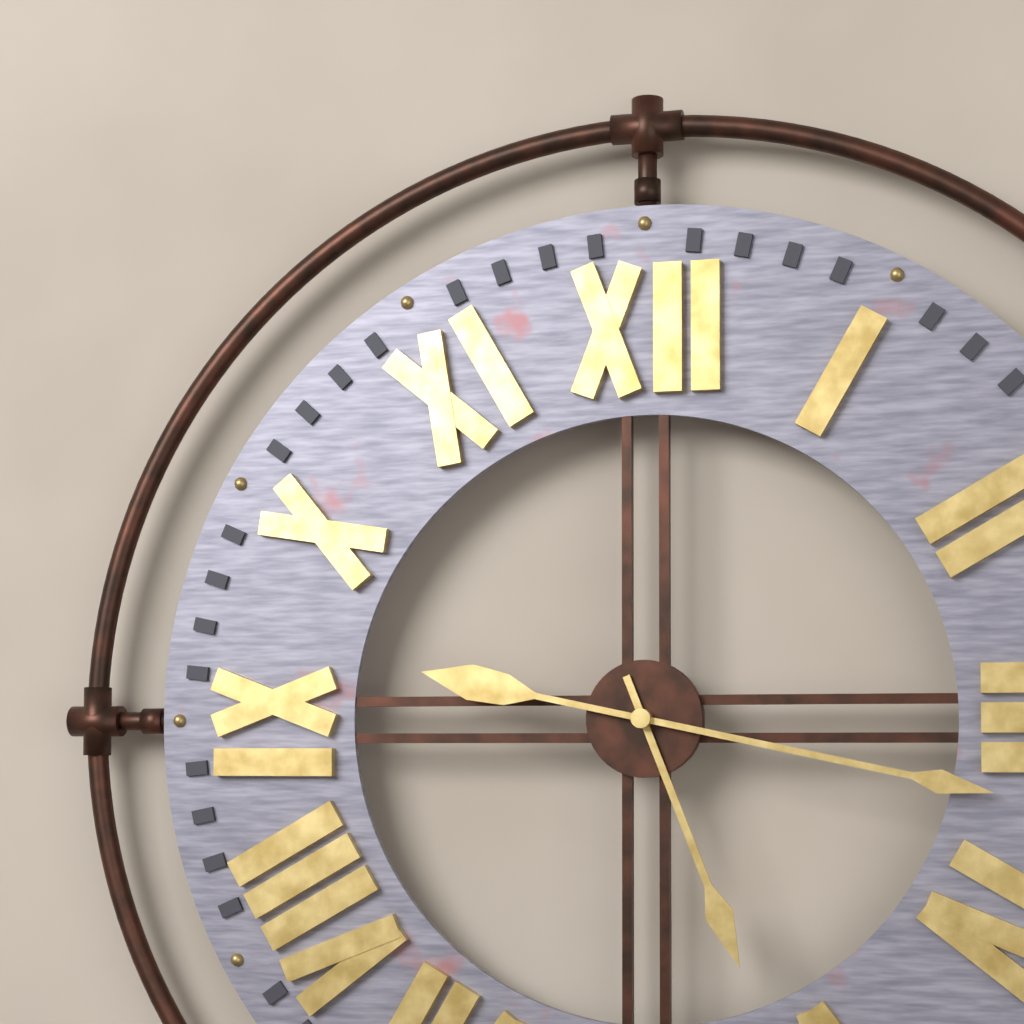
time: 5:17
